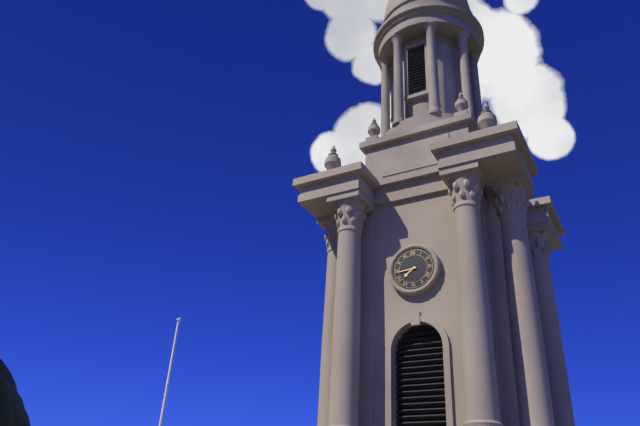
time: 7:44
